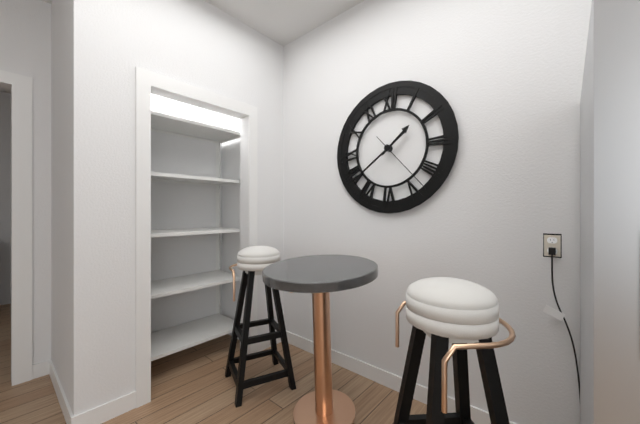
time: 1:39:23
